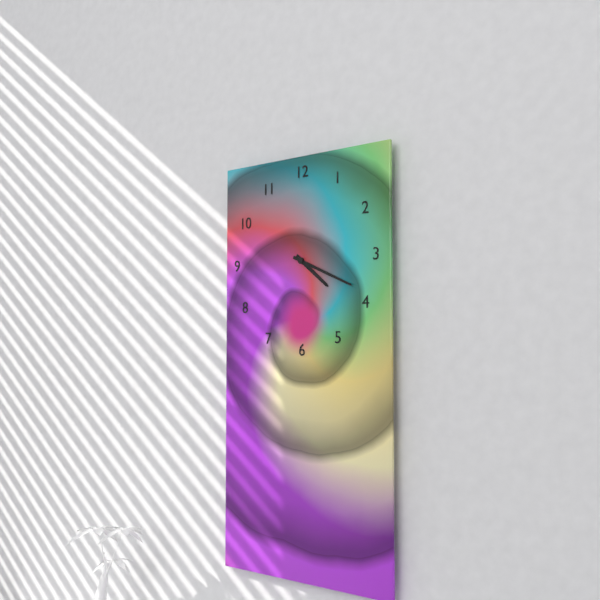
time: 4:19
